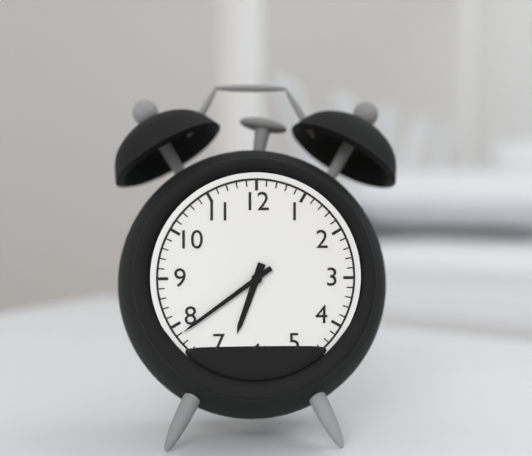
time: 6:39
